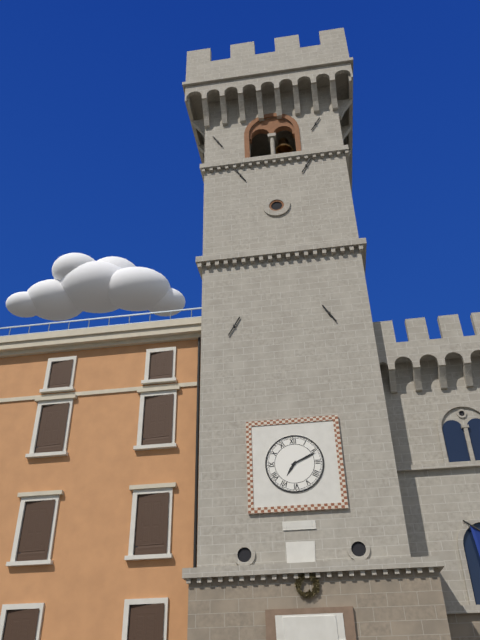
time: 7:11
